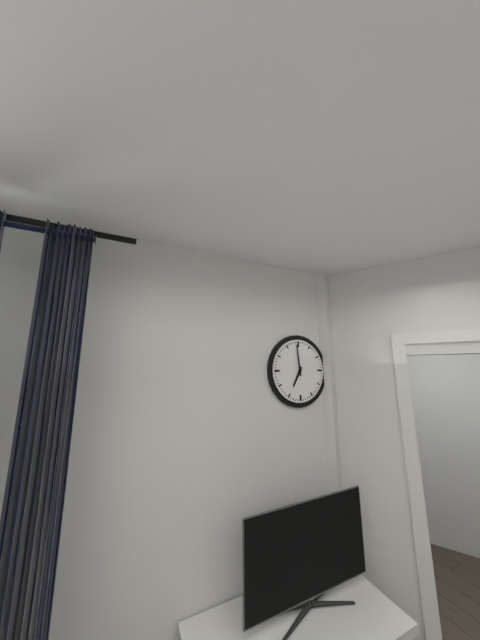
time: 6:59
